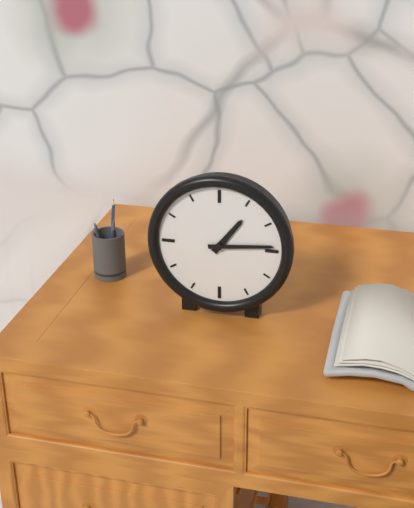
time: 1:14
